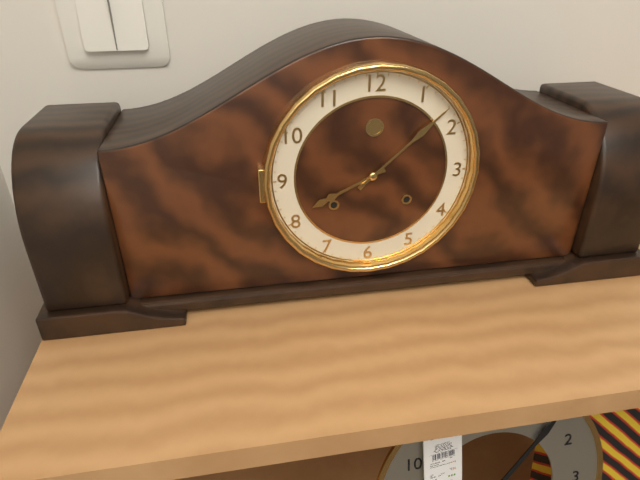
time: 8:08
